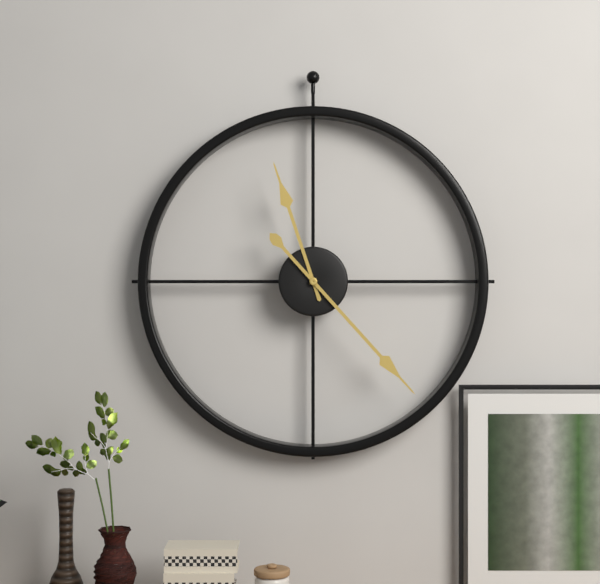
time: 11:23
